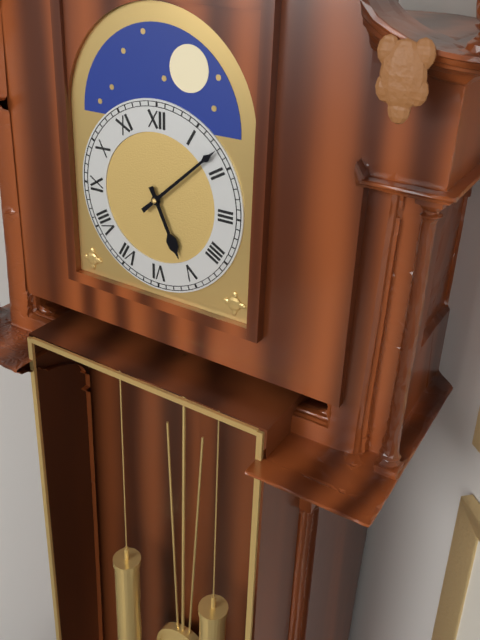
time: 5:08
